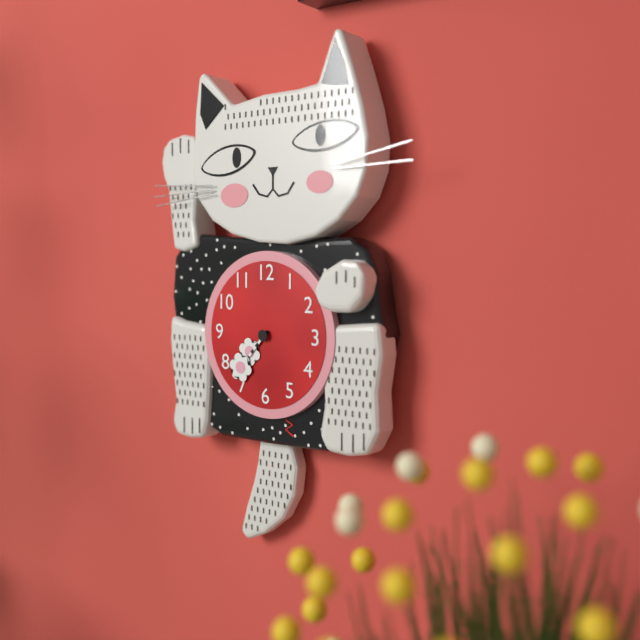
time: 7:37
